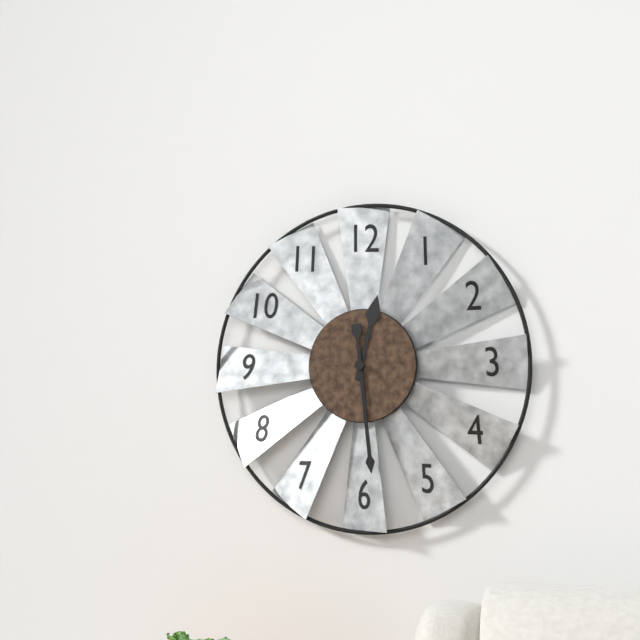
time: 12:29
